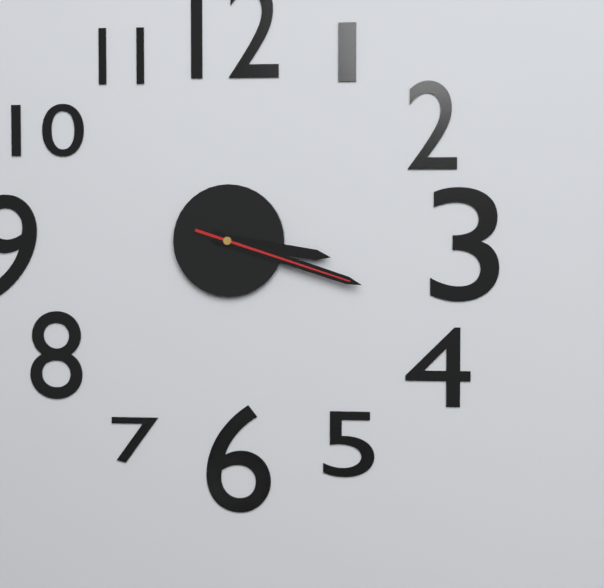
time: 3:18:18
